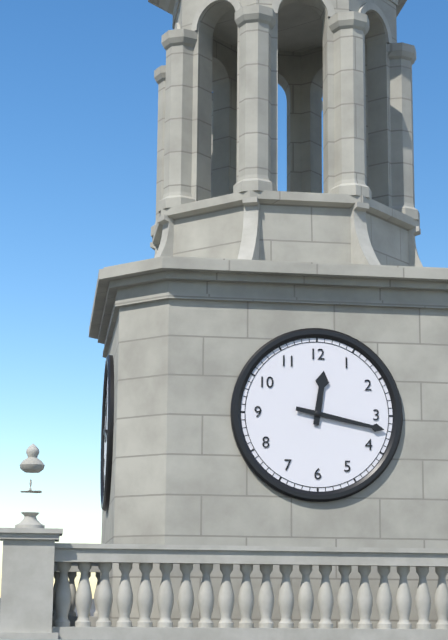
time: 12:17
